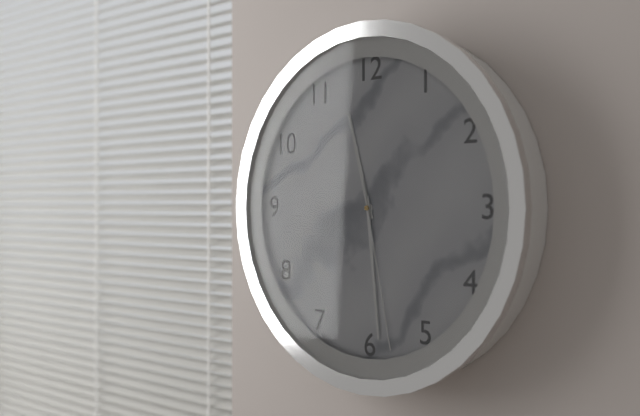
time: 11:29:28
